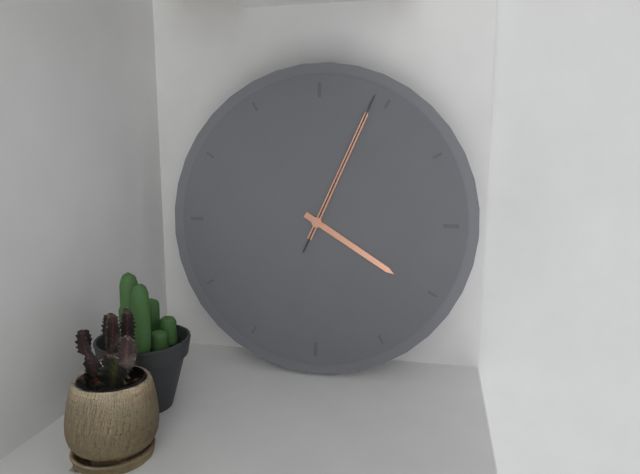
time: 4:04:04
